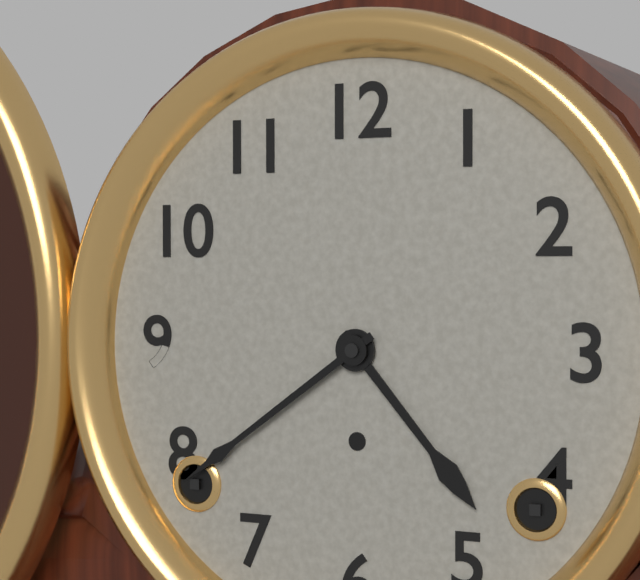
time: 4:39
